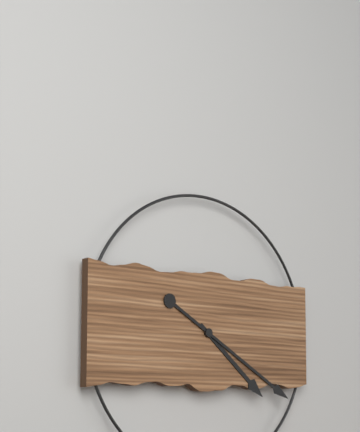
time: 4:20
